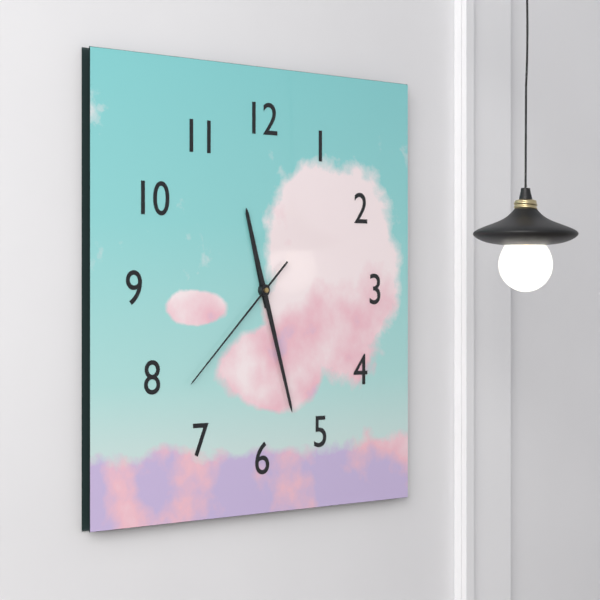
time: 11:27:38
